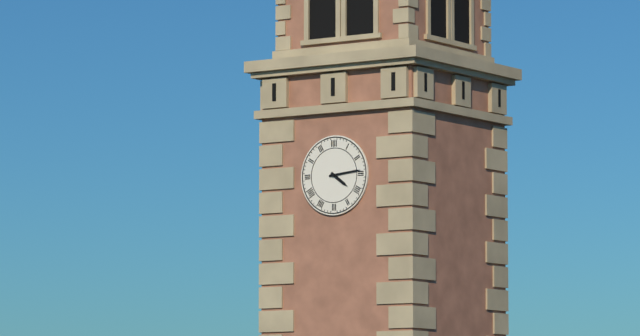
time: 4:14
